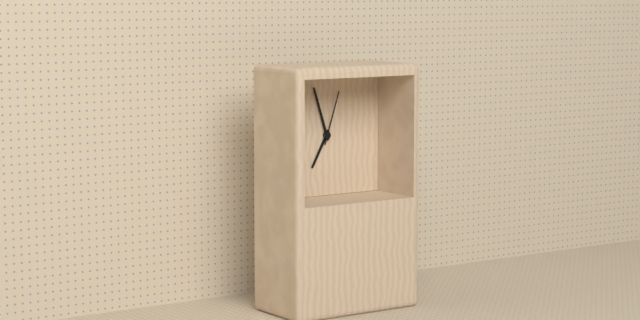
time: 6:57:03
